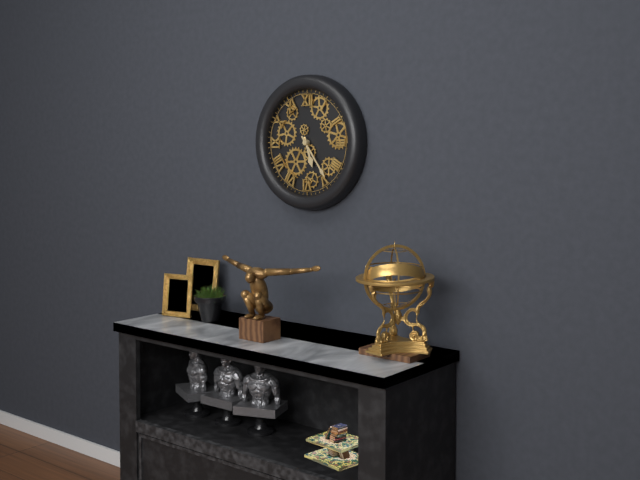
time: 5:24
